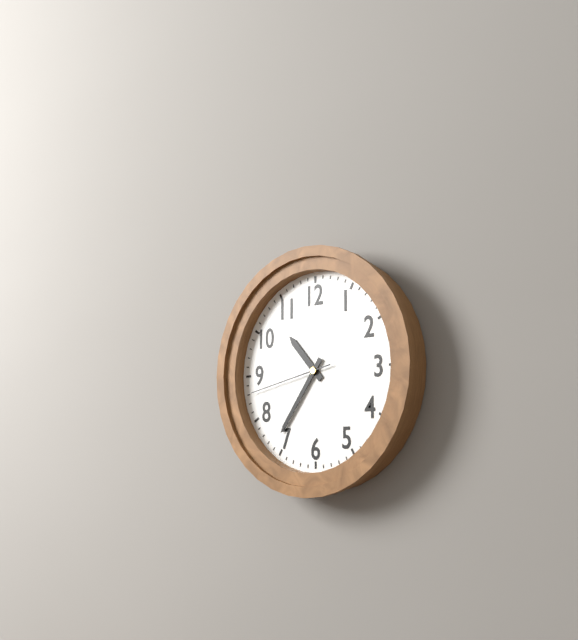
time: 10:36:43
